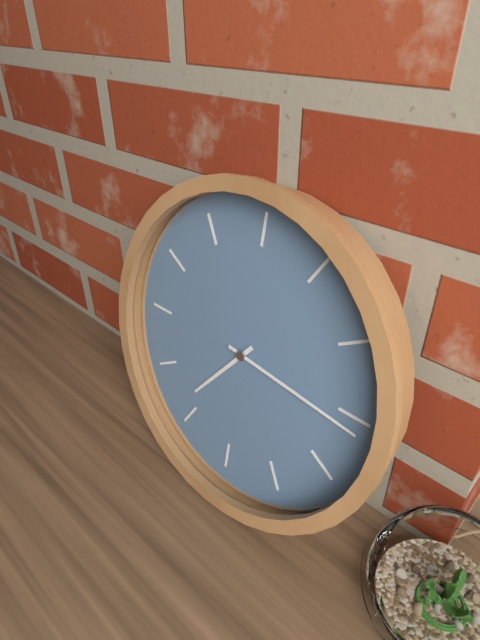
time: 7:16
